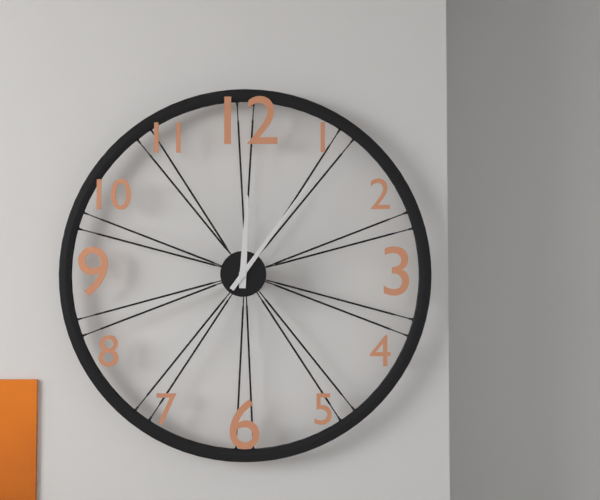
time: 12:06
